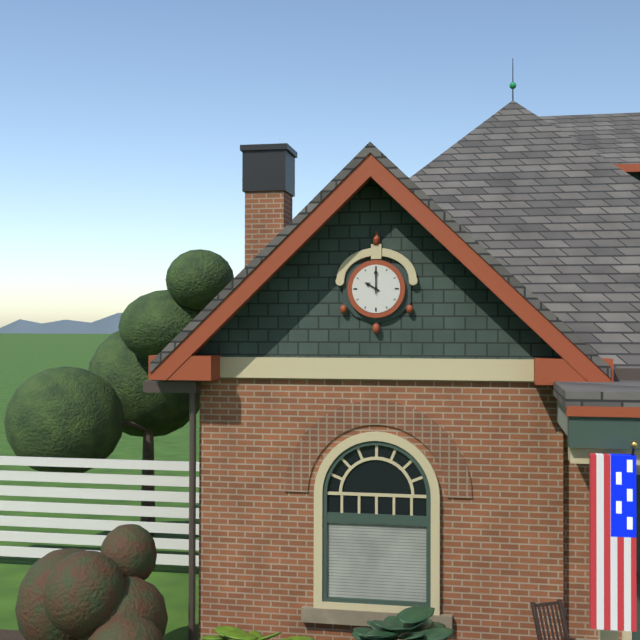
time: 10:00
